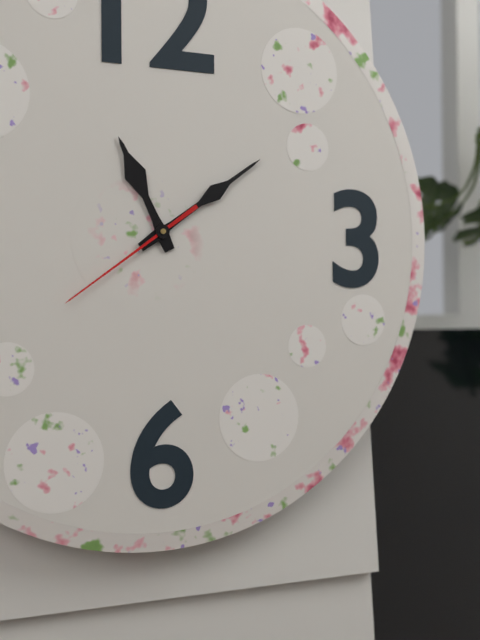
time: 11:09:39
